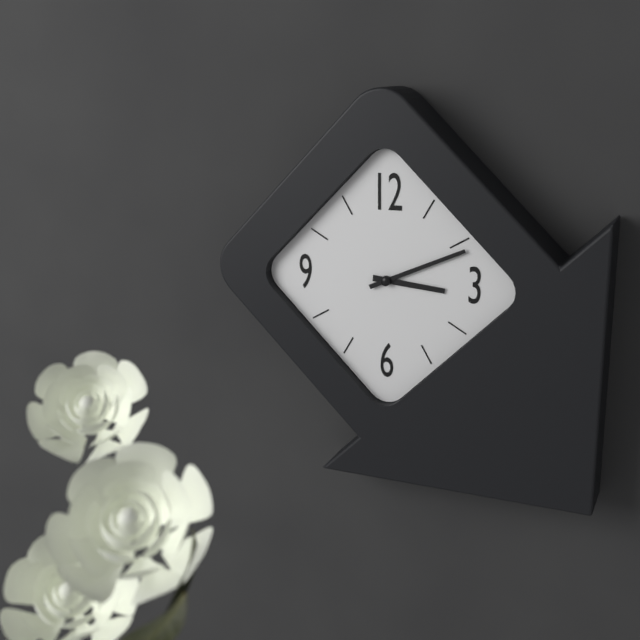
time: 3:11
